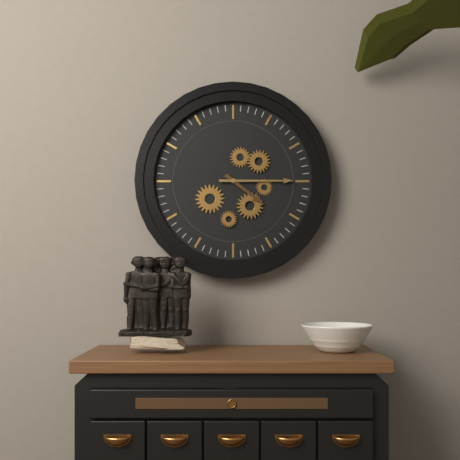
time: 4:15
